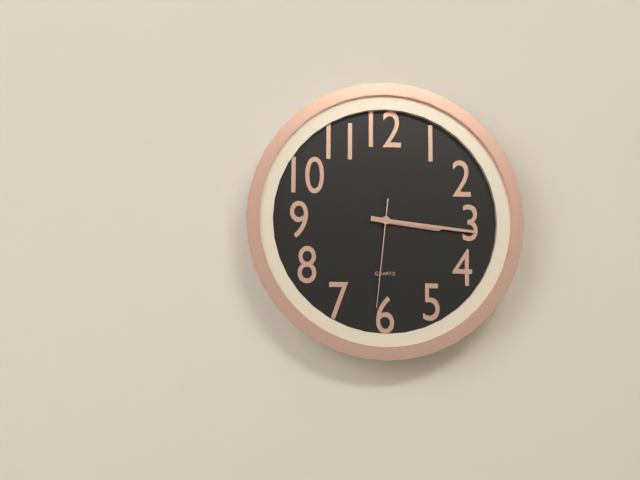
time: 3:16:31
